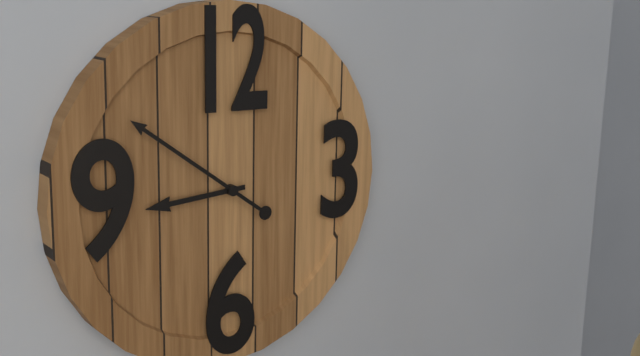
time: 8:51
